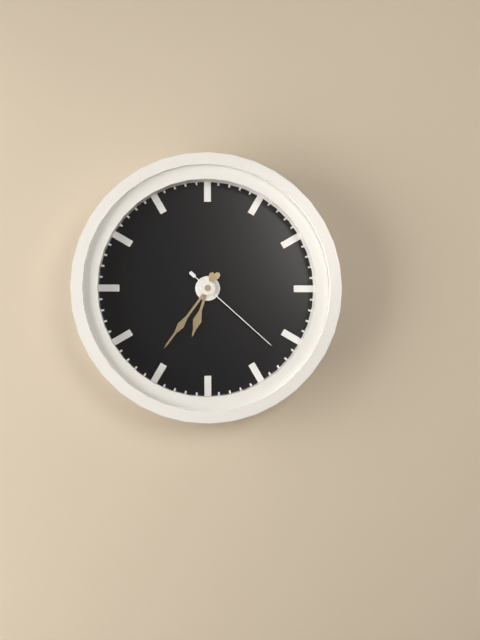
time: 6:36:22
